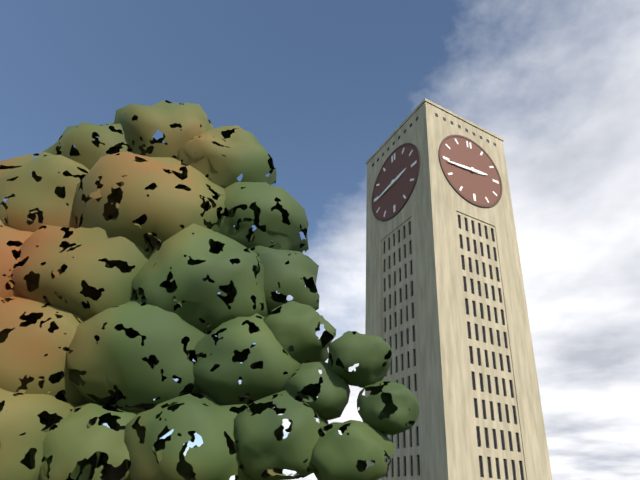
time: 2:44
